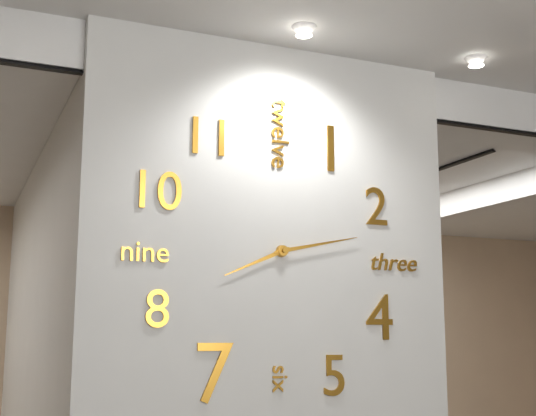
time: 8:13
